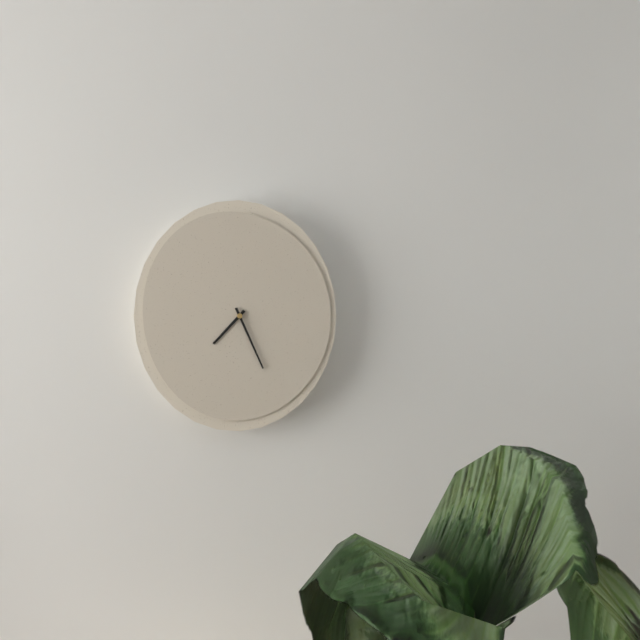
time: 7:26
